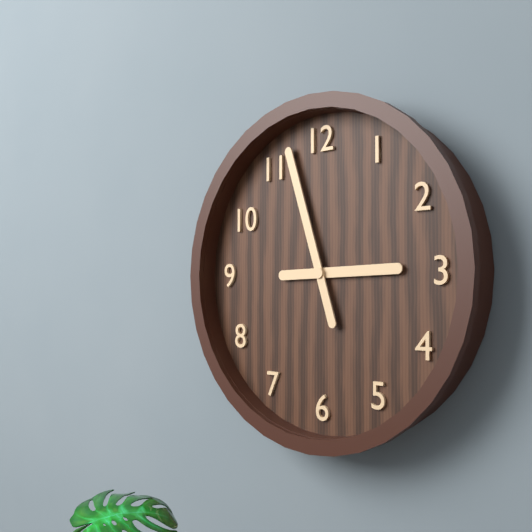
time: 2:57
